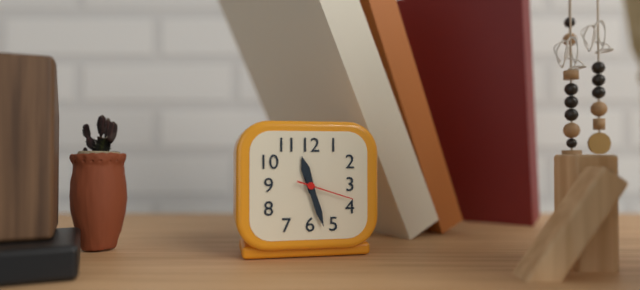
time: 11:27:18
